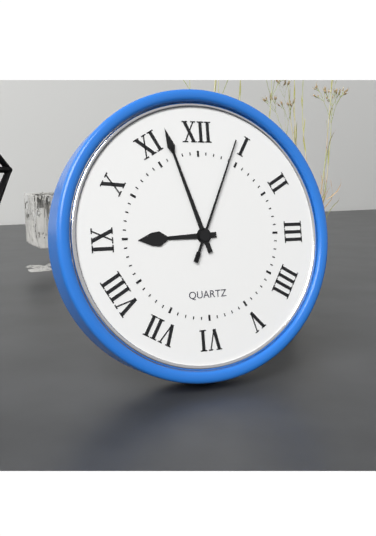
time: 8:57:04
